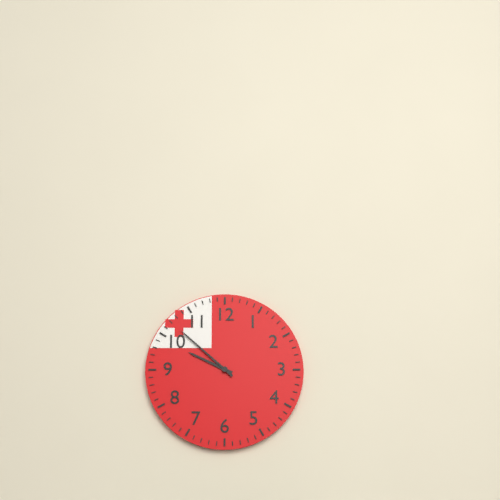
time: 9:52
